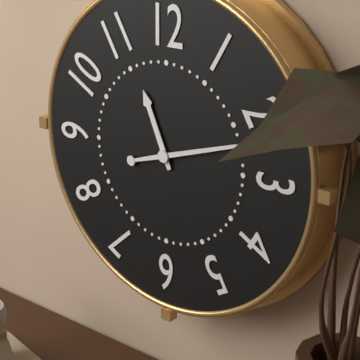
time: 11:12
